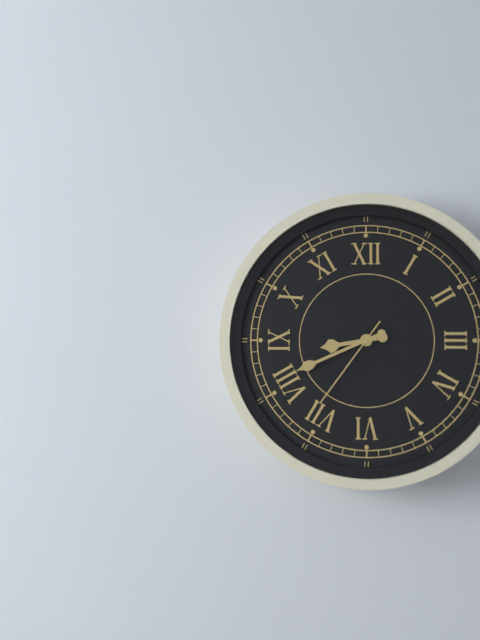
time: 8:41:36
